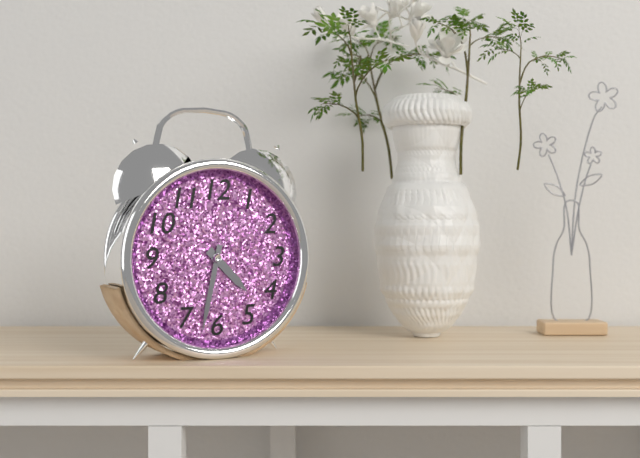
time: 4:32
